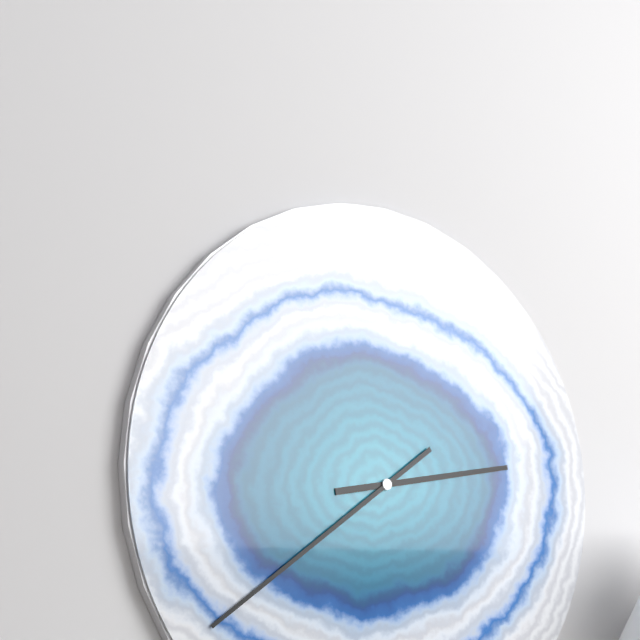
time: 2:39
